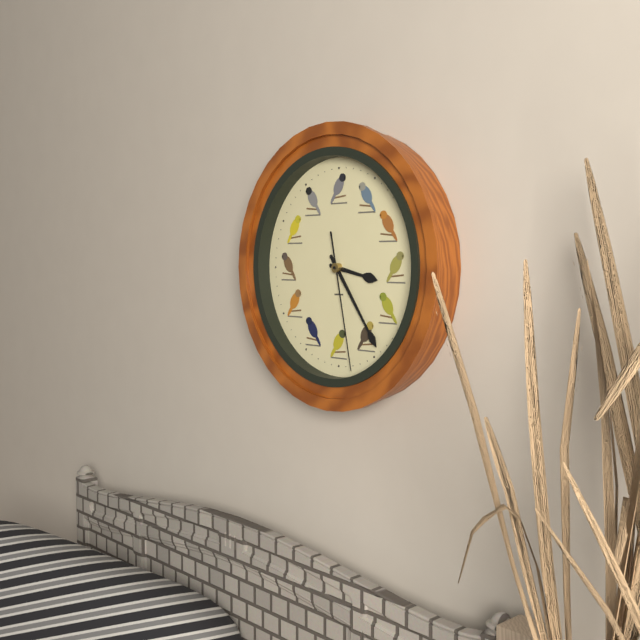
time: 3:24:28
